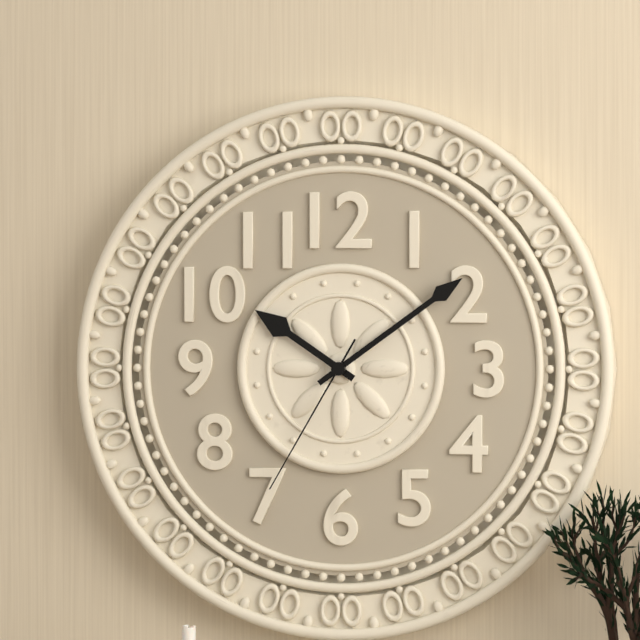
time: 10:09:35
